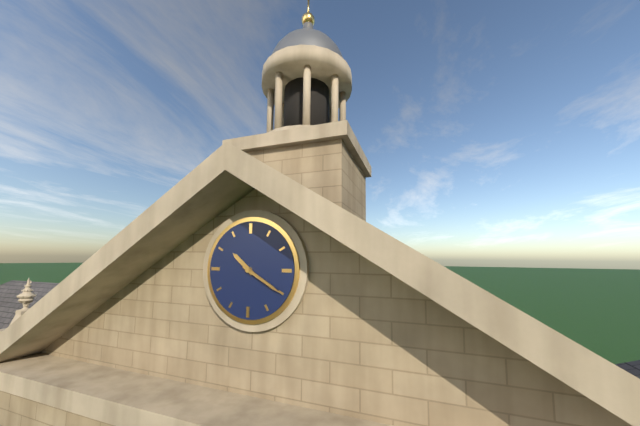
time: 10:20
